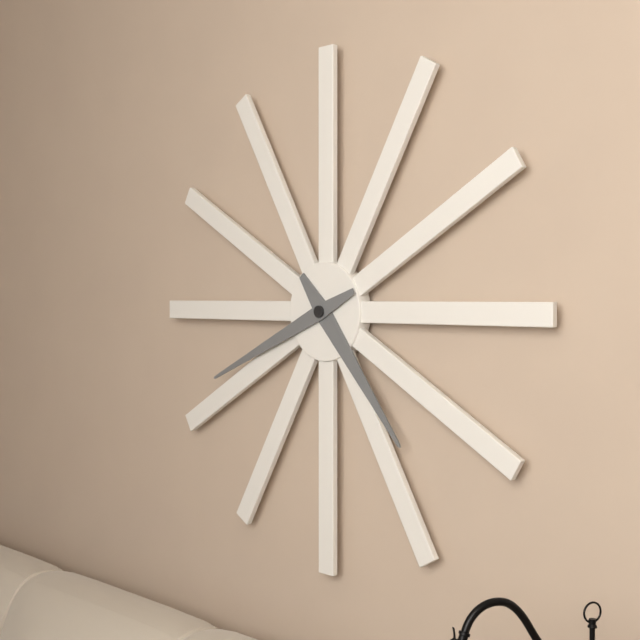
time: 4:41
